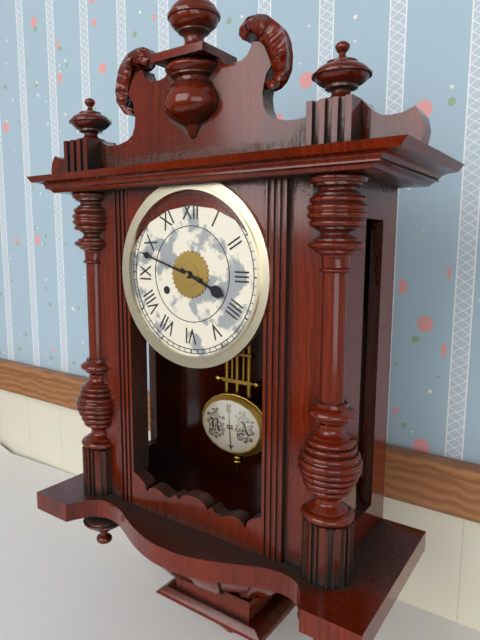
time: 3:48
